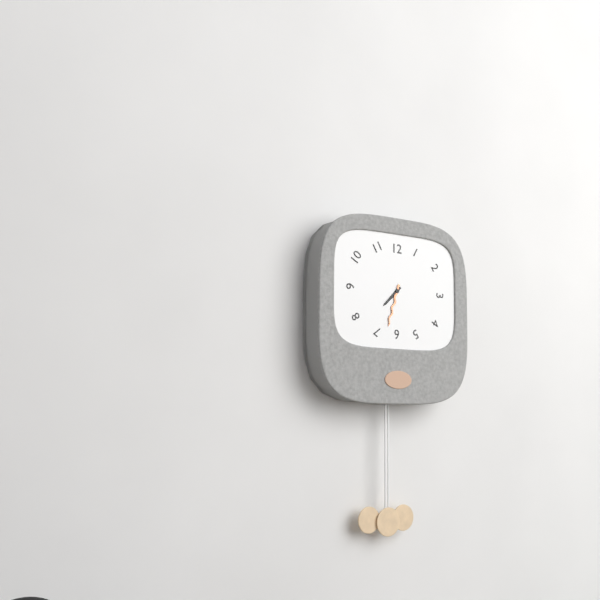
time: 7:33
